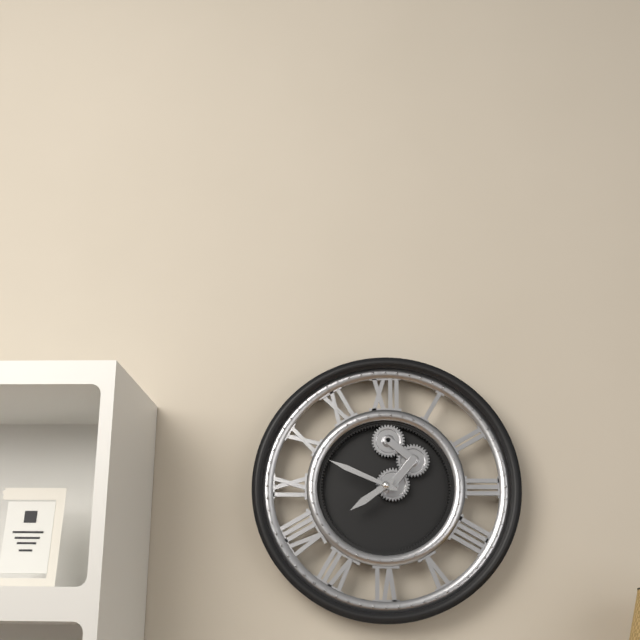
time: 7:49
